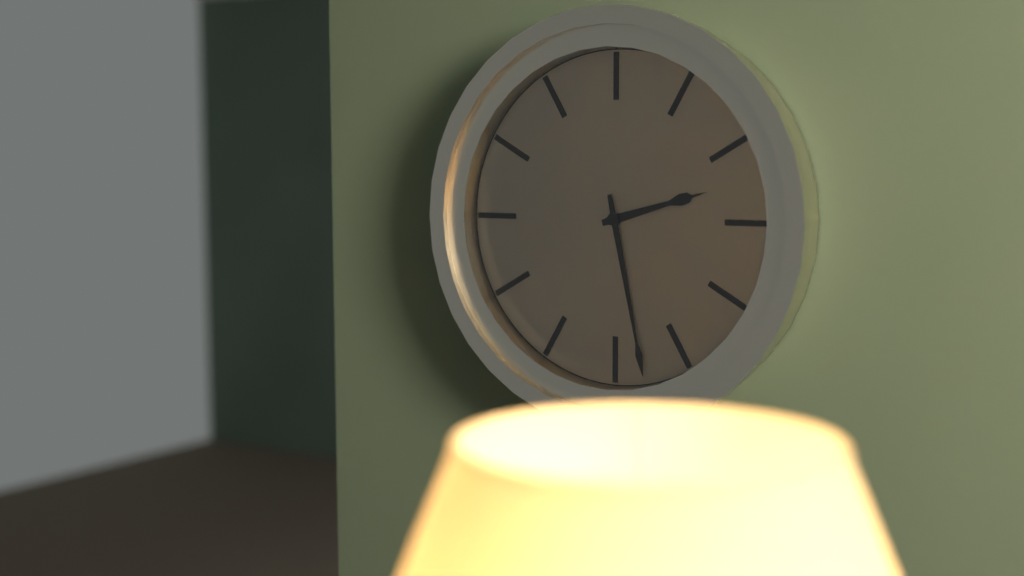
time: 2:28
